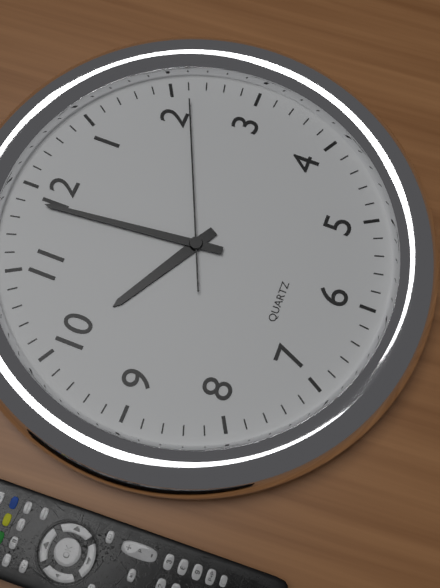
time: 9:59:11
